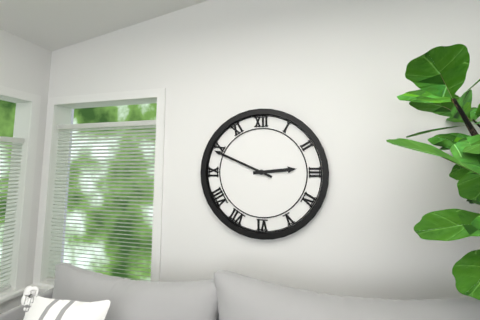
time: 2:49
